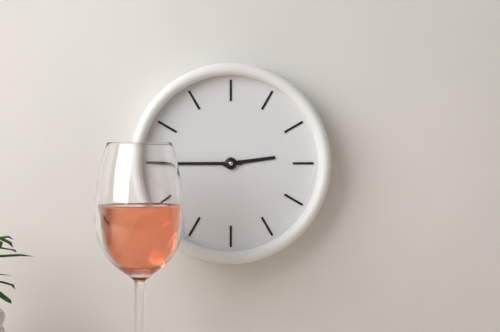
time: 2:45
